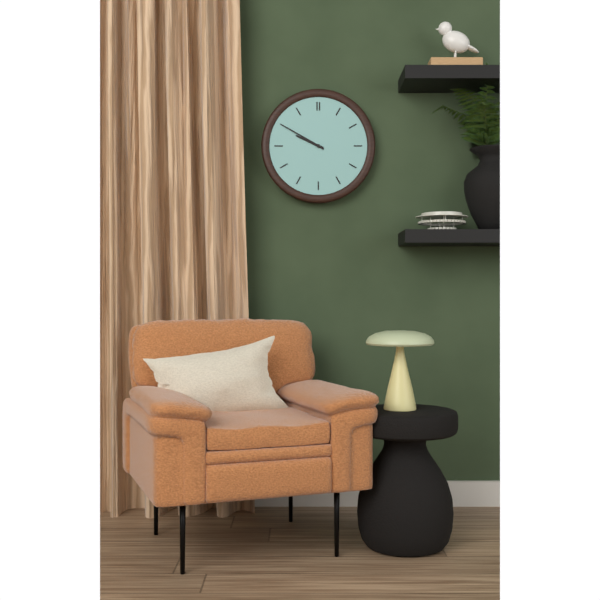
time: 9:50
